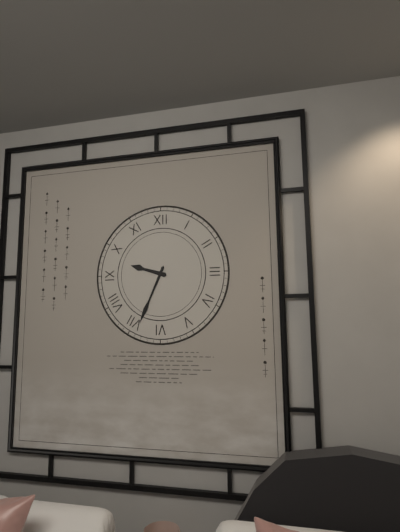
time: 9:34
